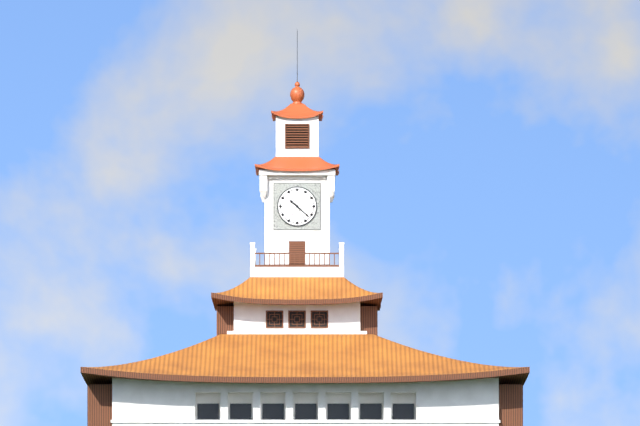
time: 10:22
